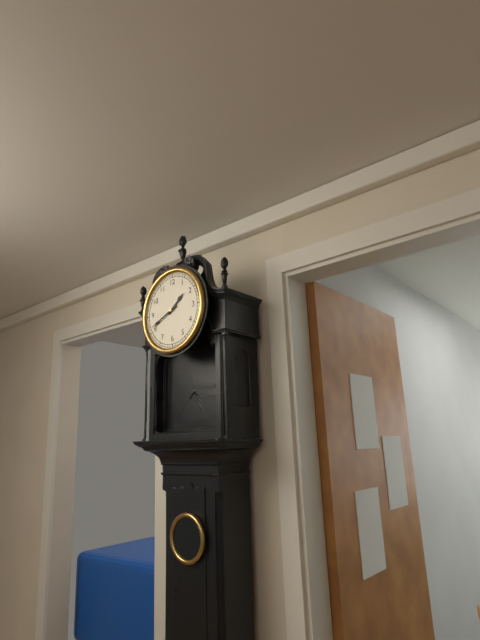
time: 1:41
